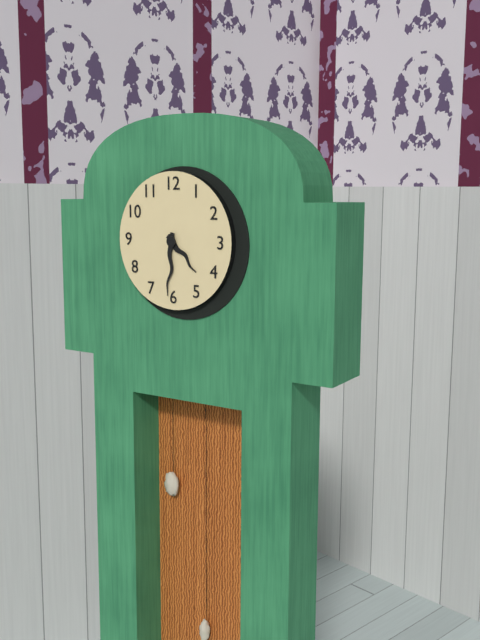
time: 4:31
